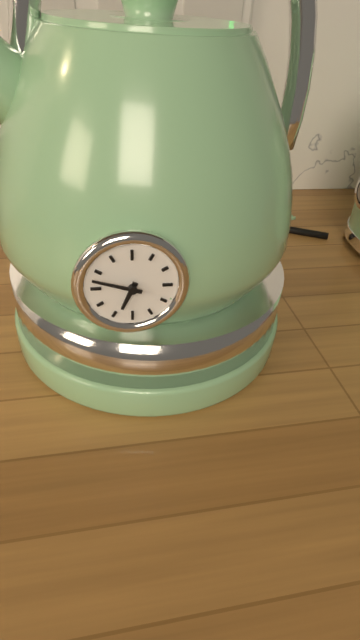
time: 6:48
